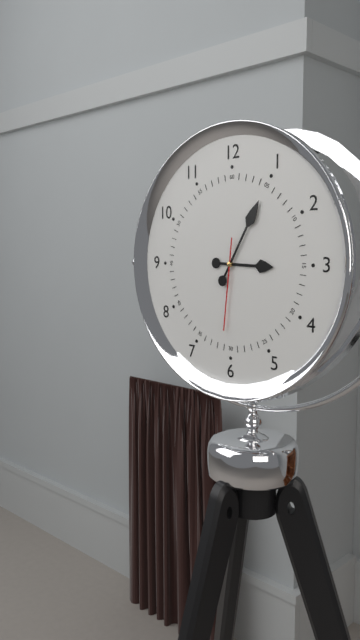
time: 3:05:31
